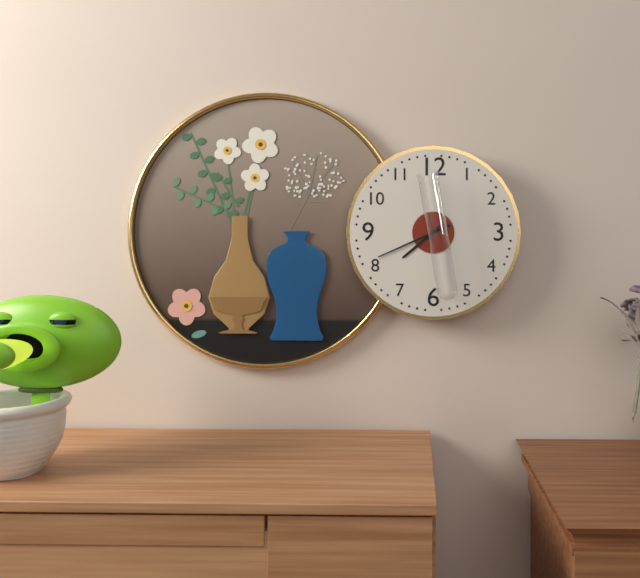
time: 7:41
